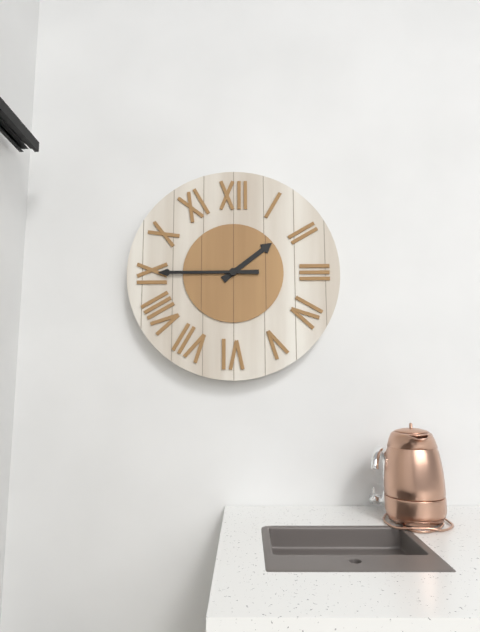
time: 1:45
